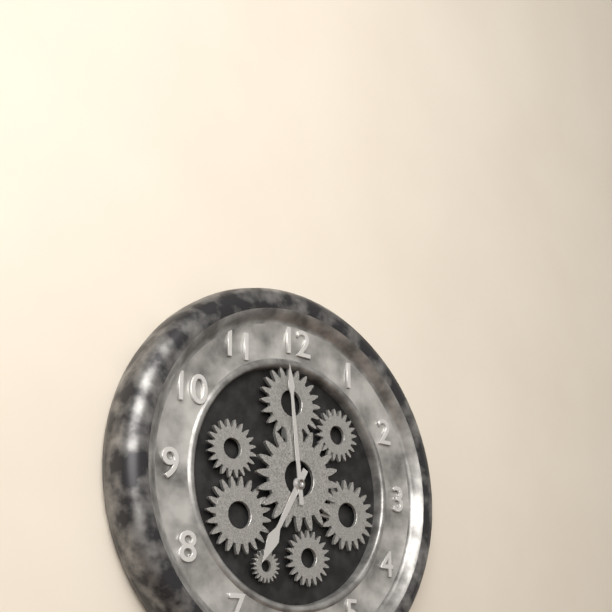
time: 6:59
